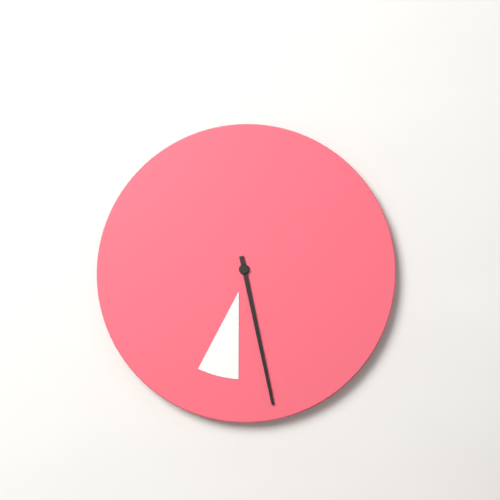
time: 6:28
